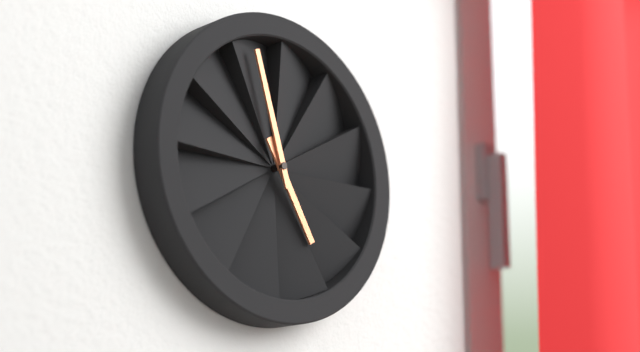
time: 4:57
